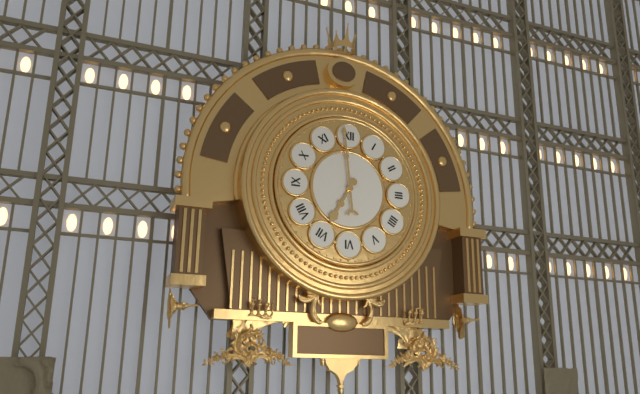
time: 6:59
